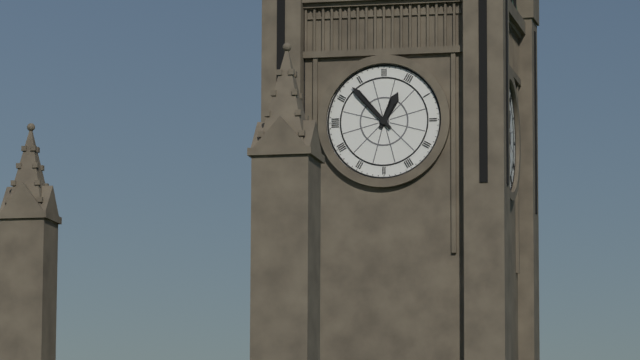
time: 12:53
